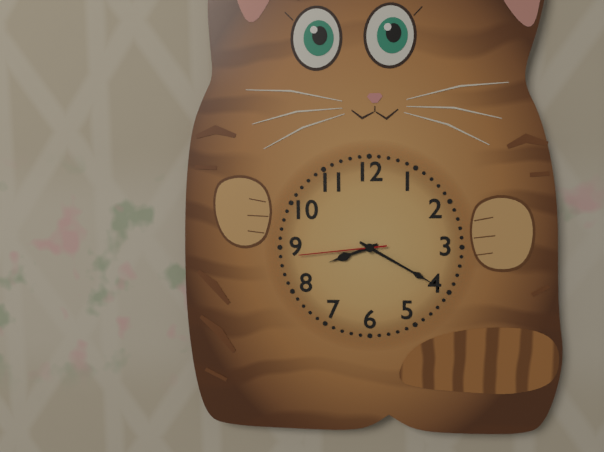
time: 8:20:44
